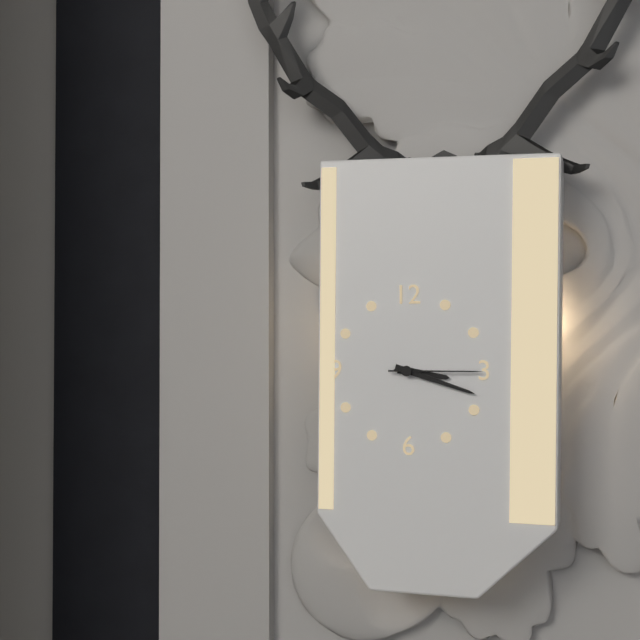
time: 3:18:15
